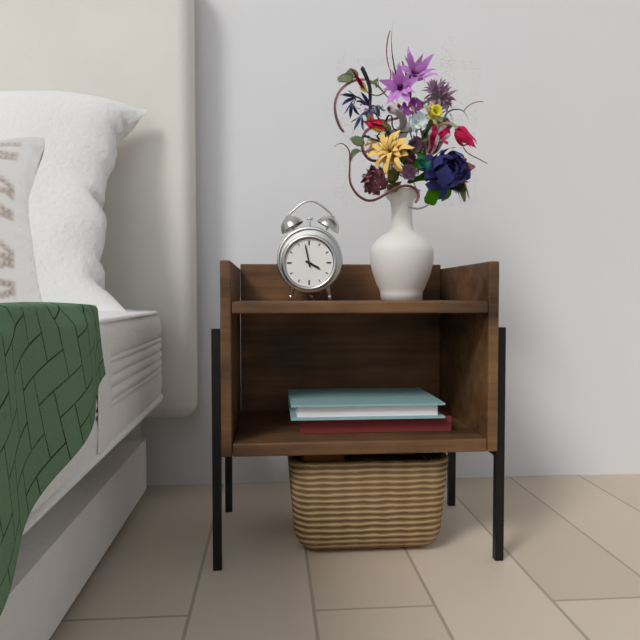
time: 3:58
